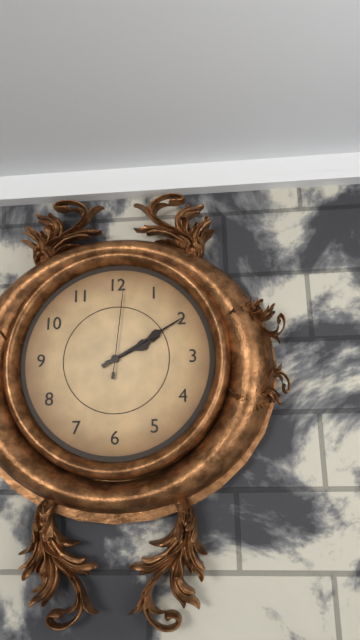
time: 2:10:01
